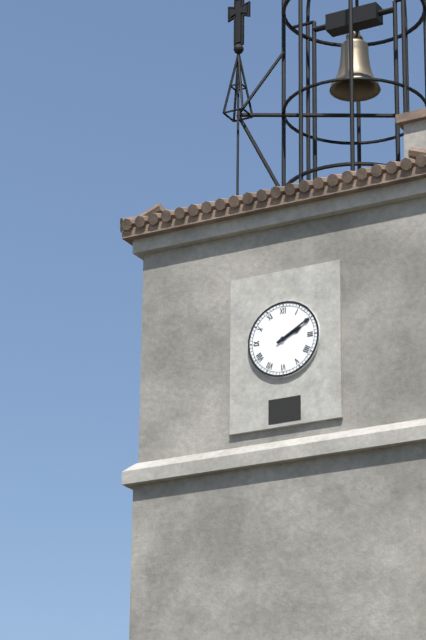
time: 2:10
